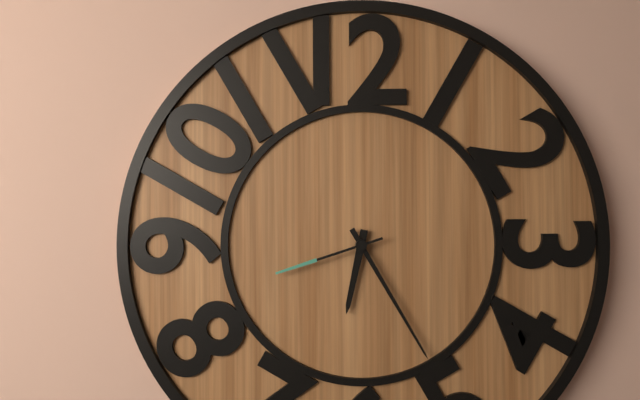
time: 6:25:42
